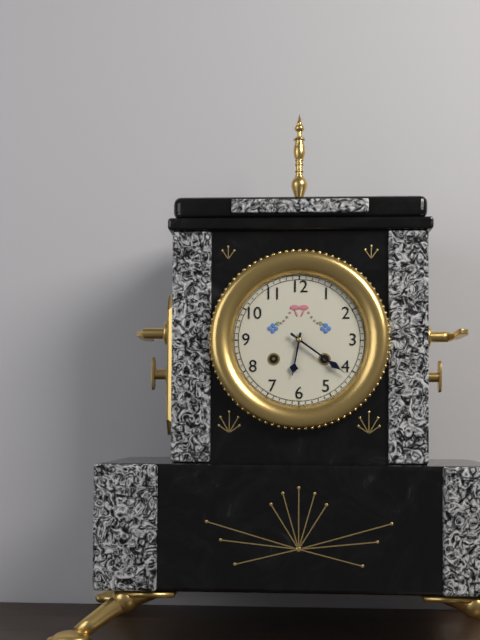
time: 6:21
